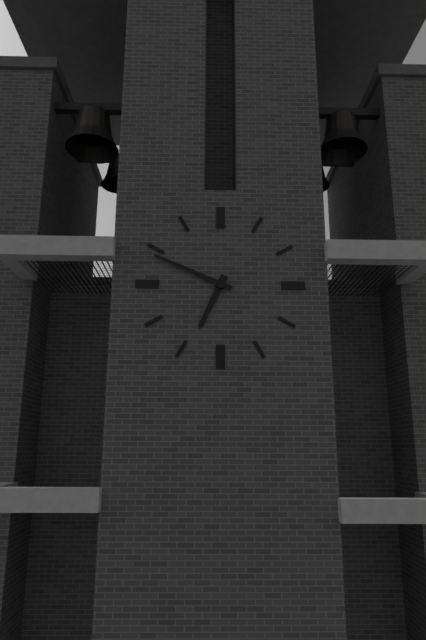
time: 6:49
